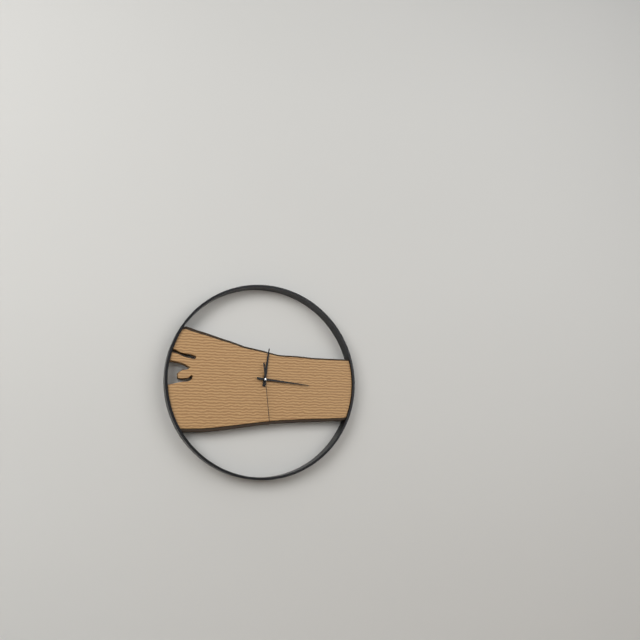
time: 12:16:29
